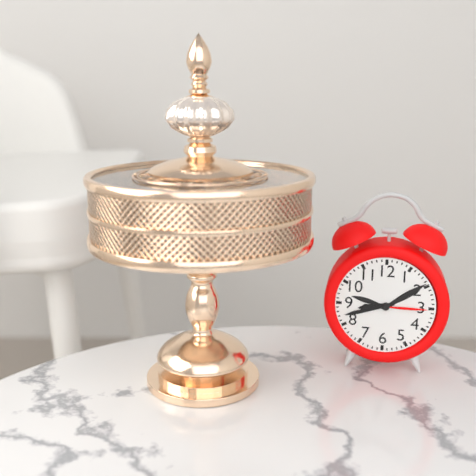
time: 8:42
